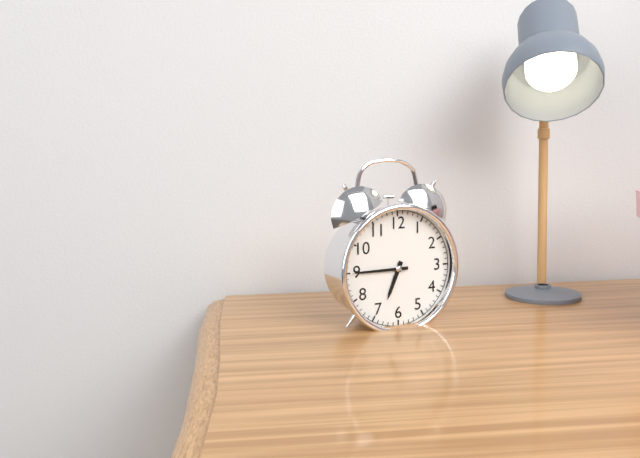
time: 6:45
